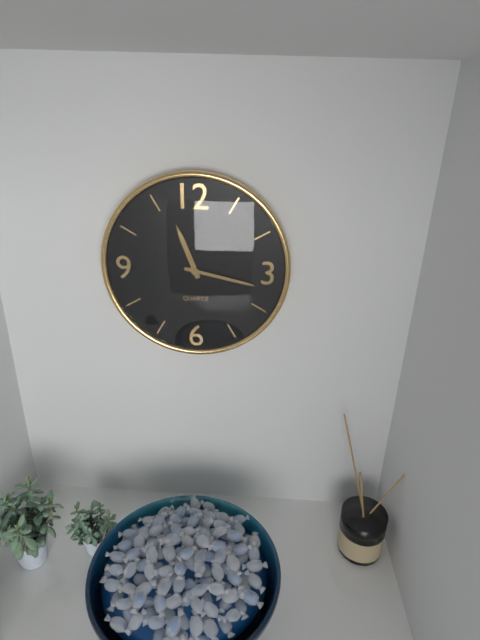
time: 11:17
